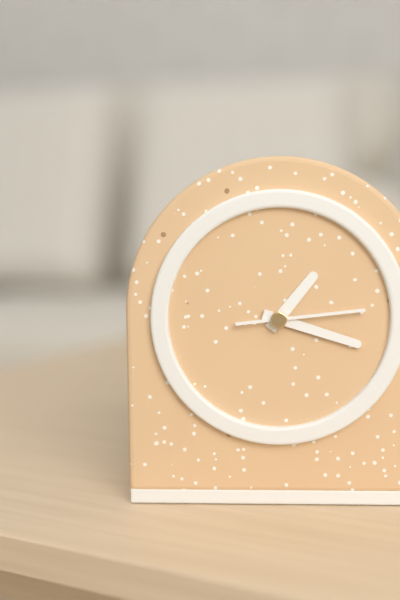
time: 1:18:14
